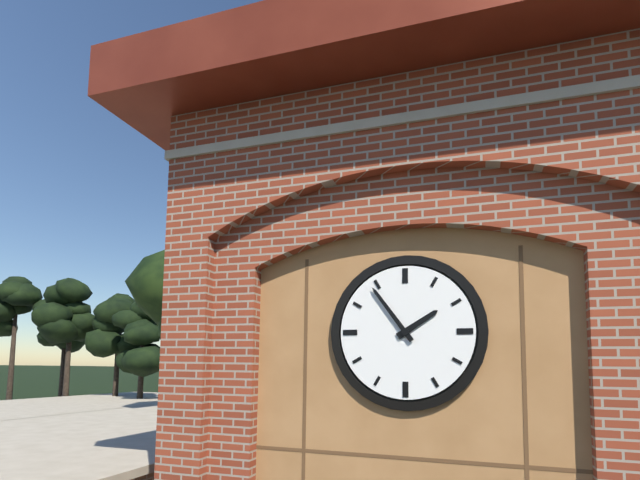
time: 1:54
